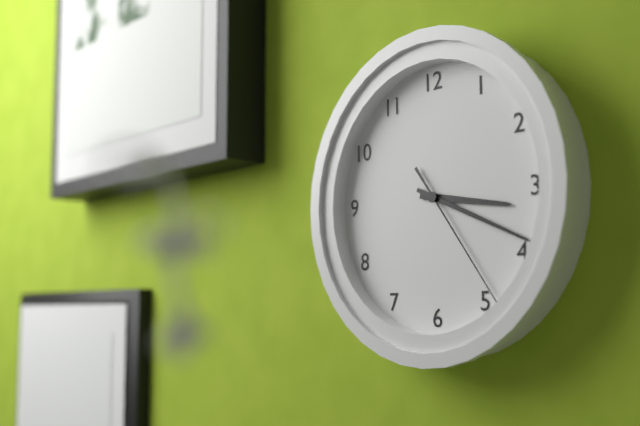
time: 3:19:24
